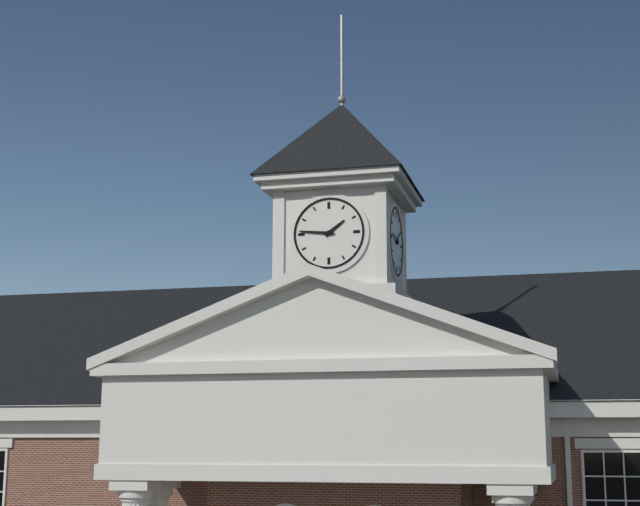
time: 1:46
